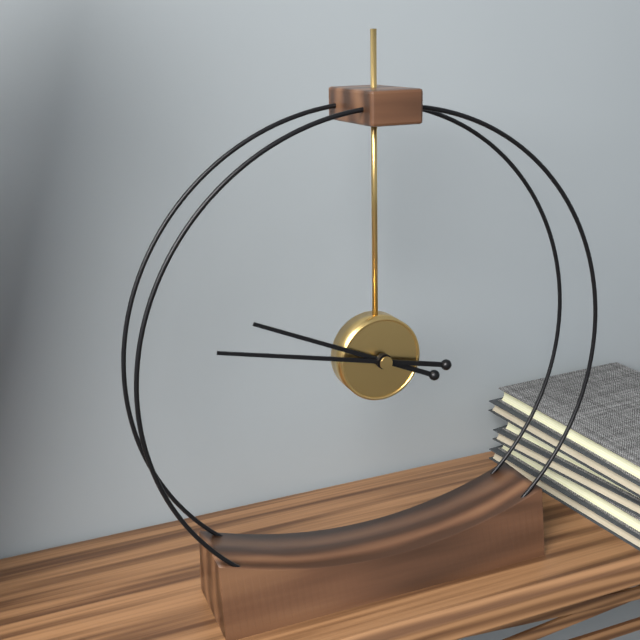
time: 9:47
